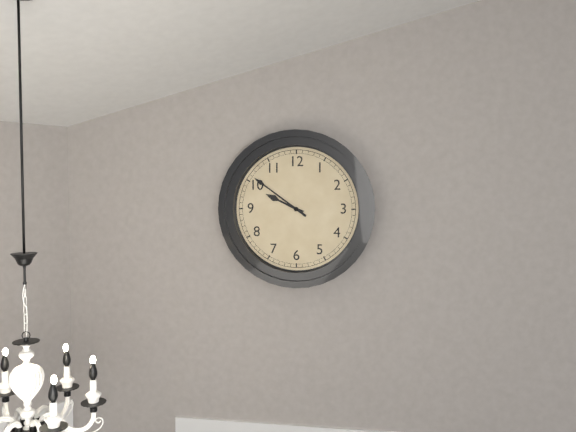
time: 9:51
